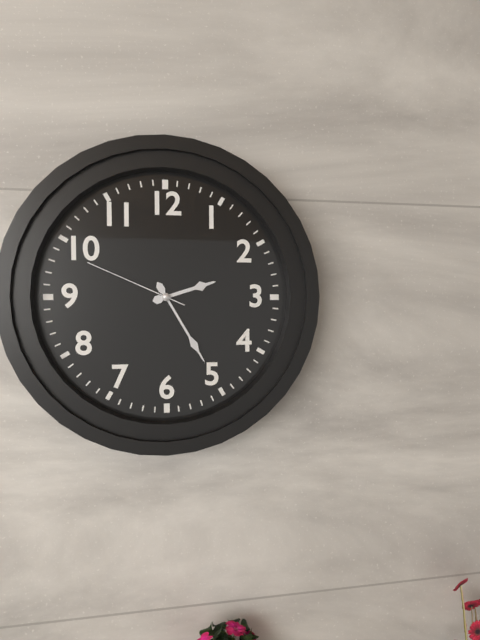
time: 2:25:49
